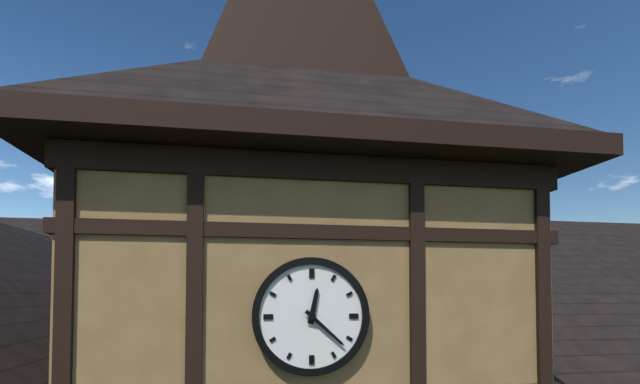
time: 12:22
